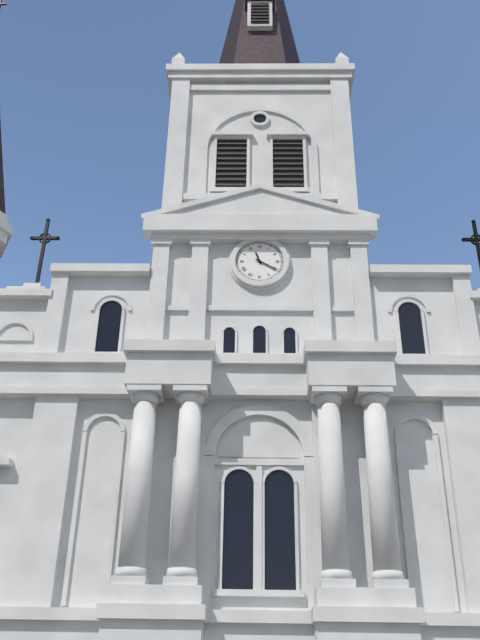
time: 11:20
